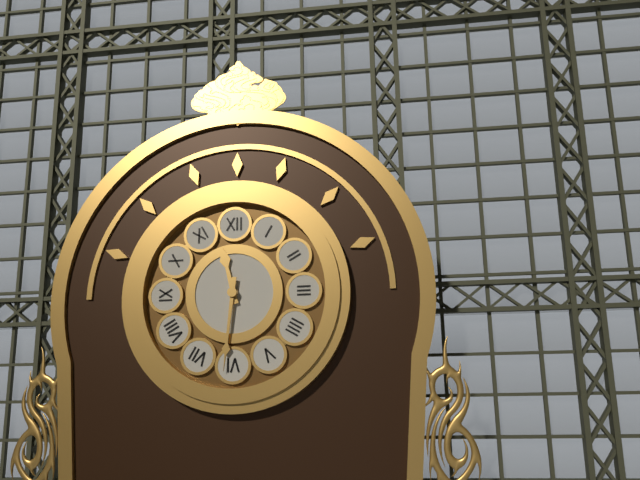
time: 11:31
